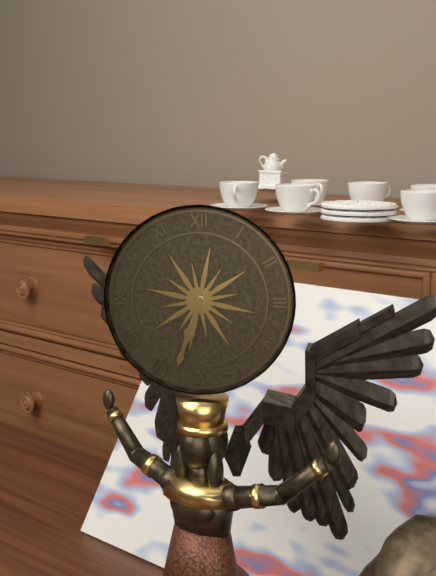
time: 6:33
